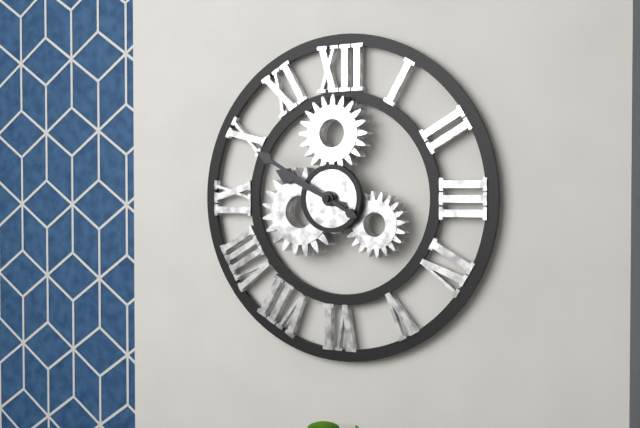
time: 9:50
